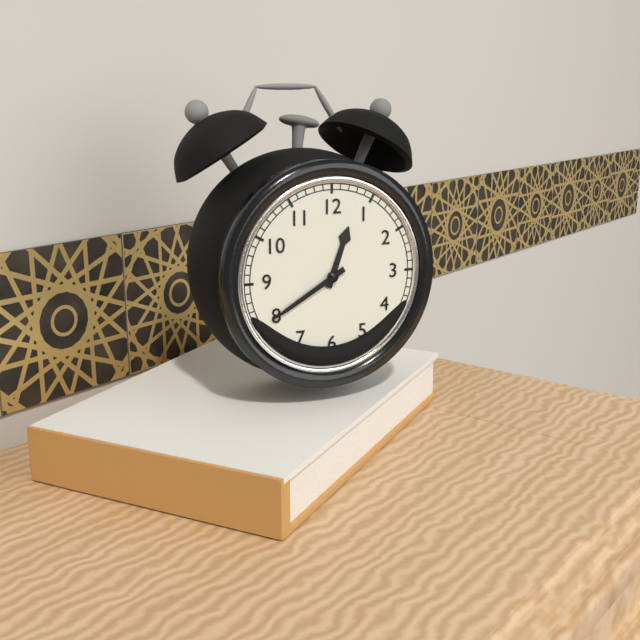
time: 12:40
